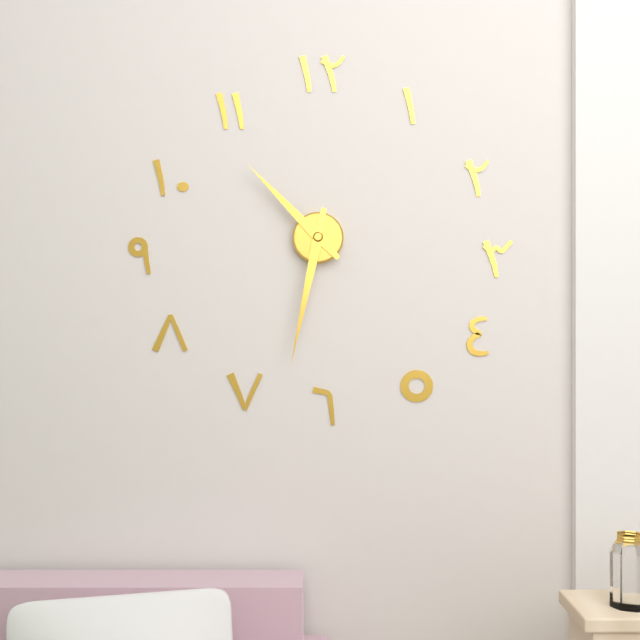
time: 10:32
